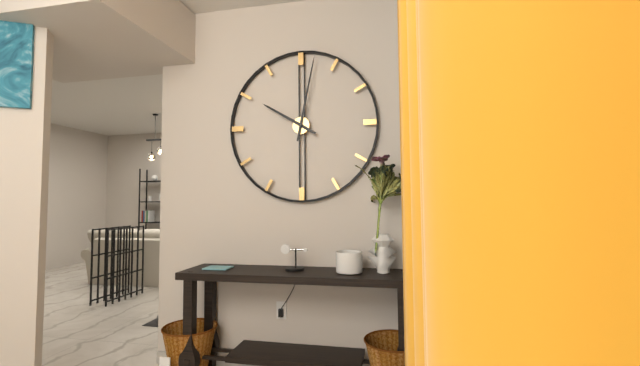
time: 10:02
